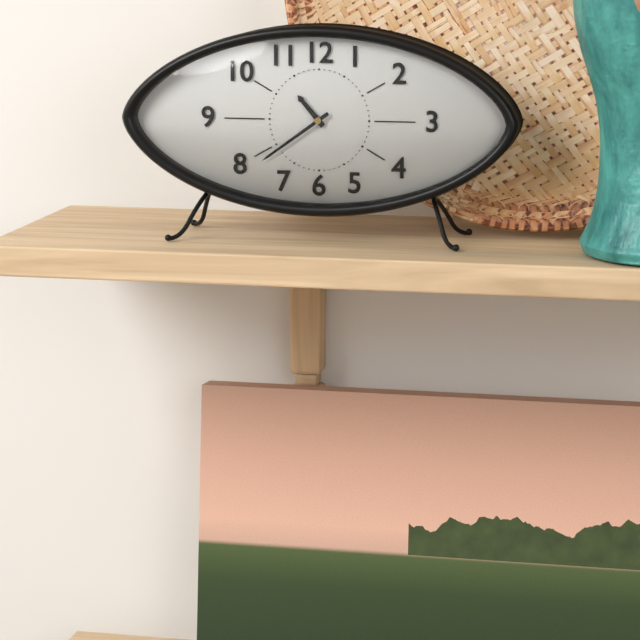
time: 10:39
